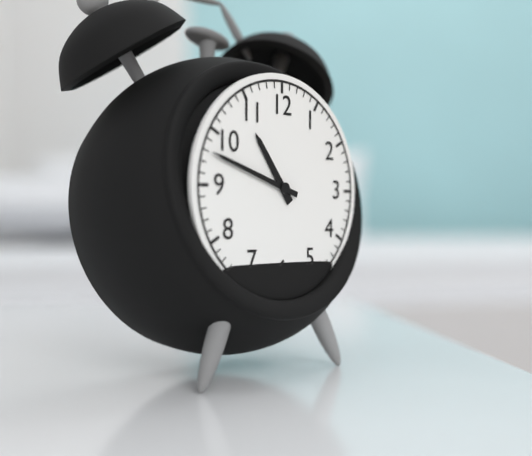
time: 10:48
